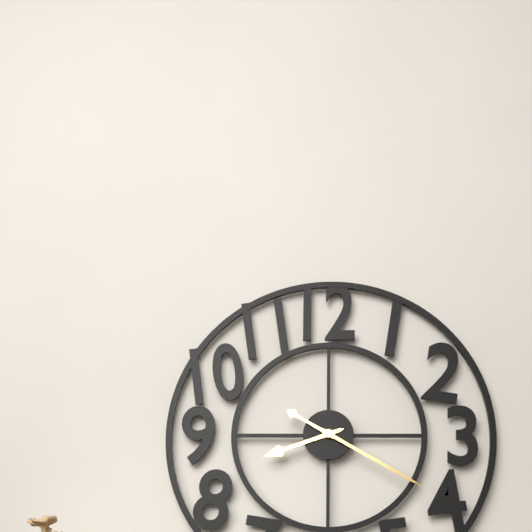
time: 8:20
